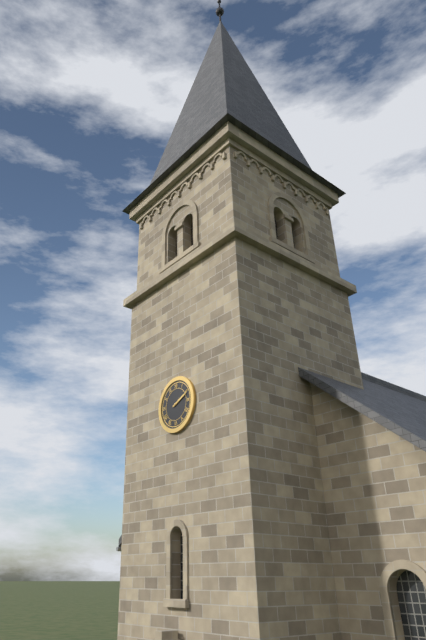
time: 2:11
